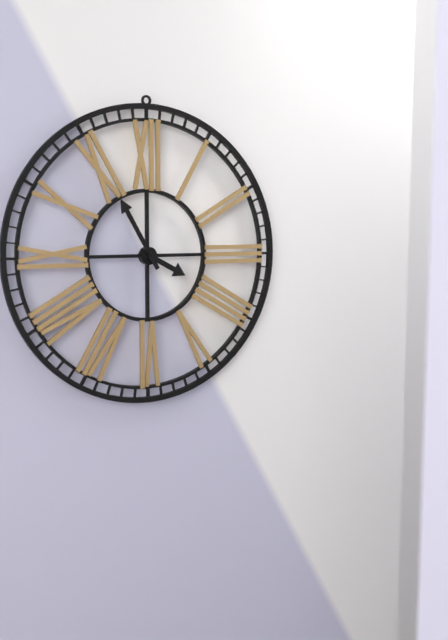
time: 3:55
